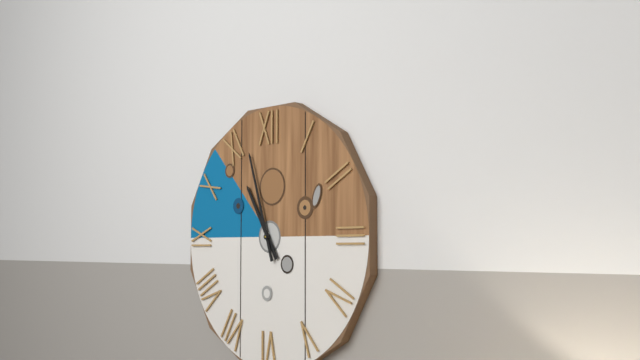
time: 10:57
